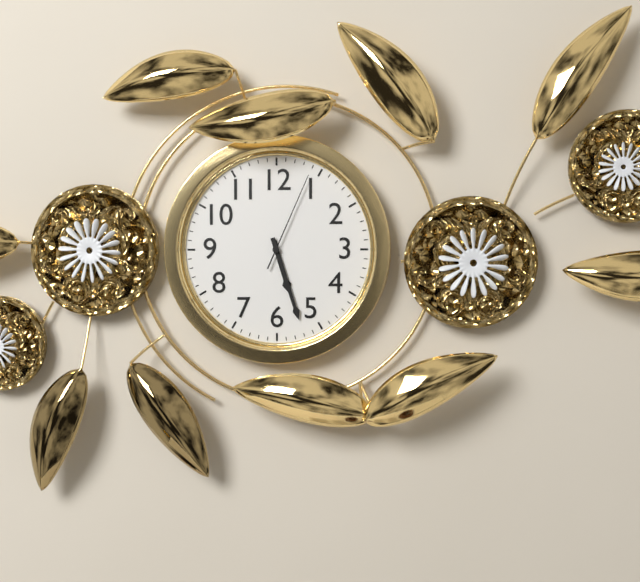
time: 5:27:04
